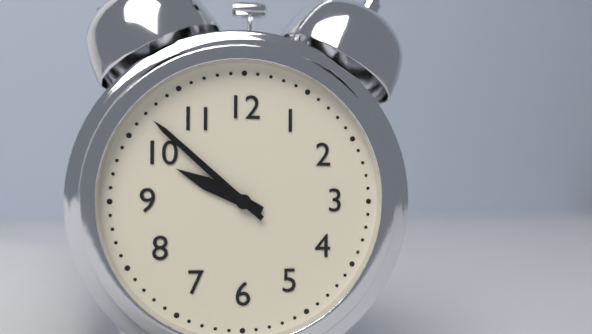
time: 9:52
